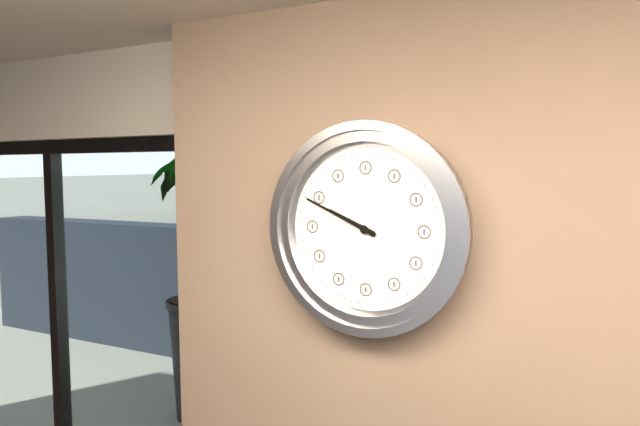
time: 9:49
